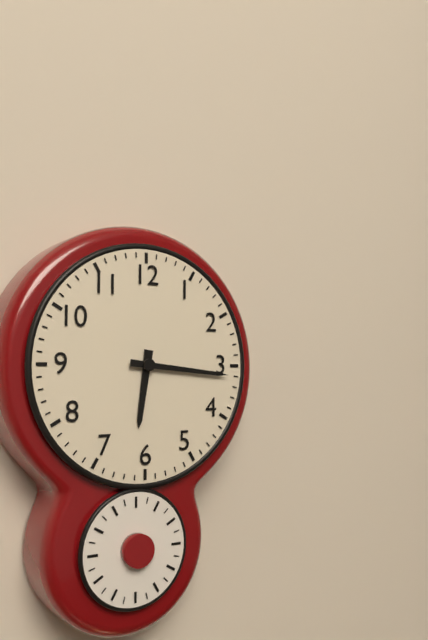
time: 6:16
